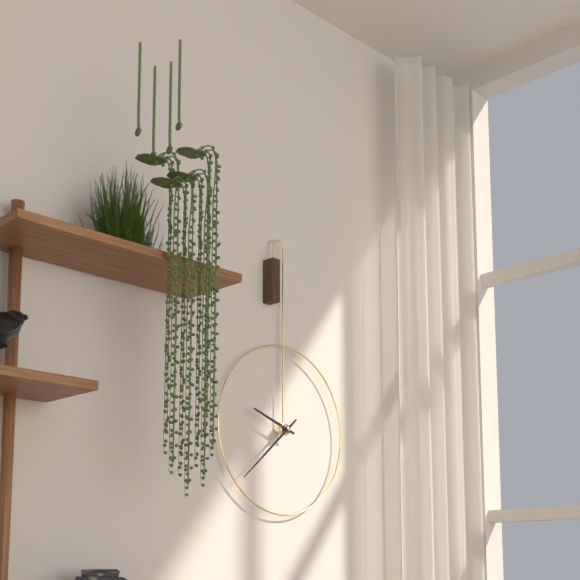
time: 9:38
